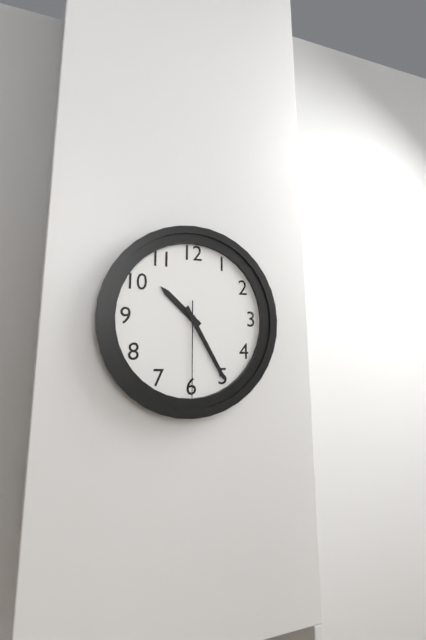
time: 10:25:30
